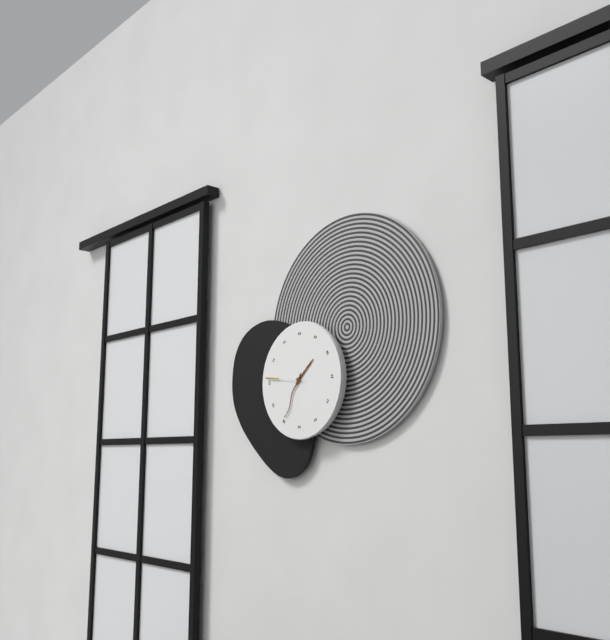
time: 1:35:46
